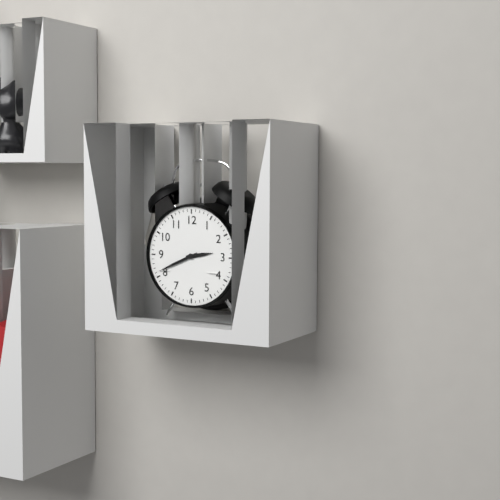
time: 2:41
